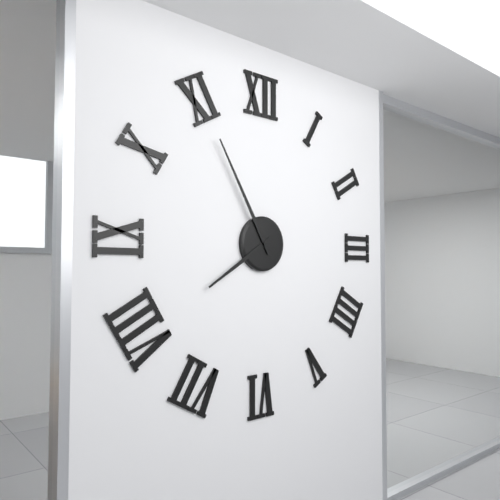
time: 7:55
